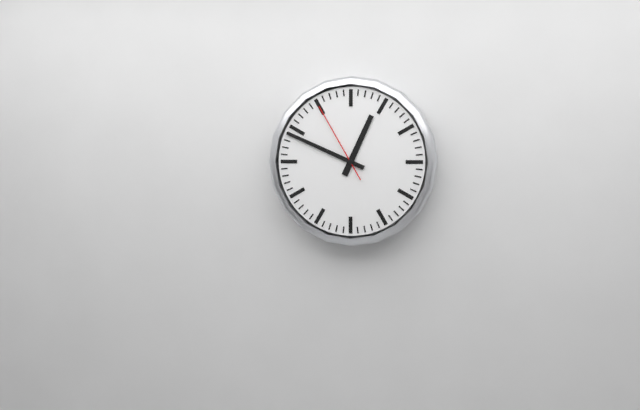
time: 12:49:55
